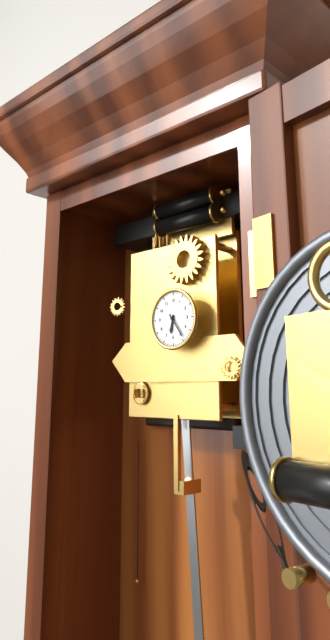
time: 6:24
